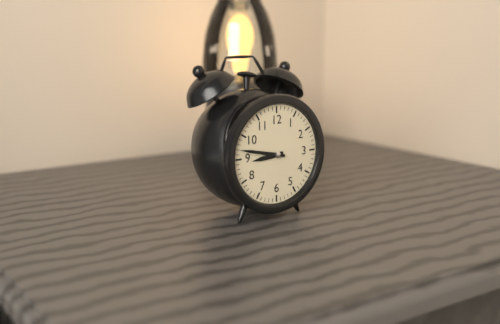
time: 8:47
